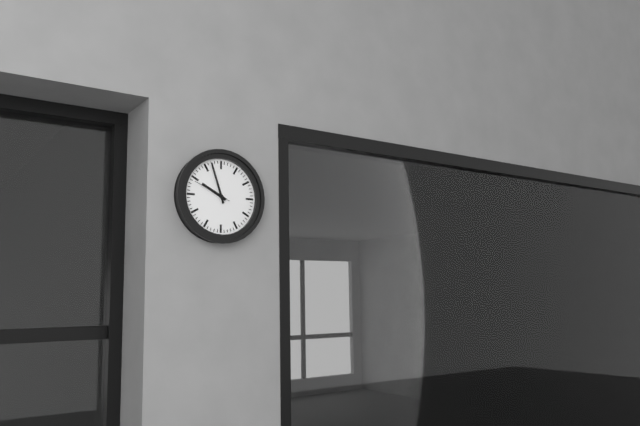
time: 9:57
